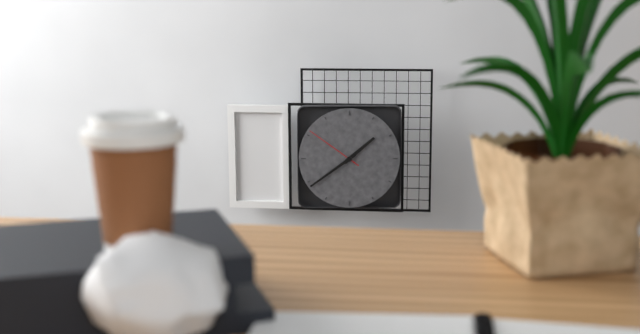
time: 1:39:51
